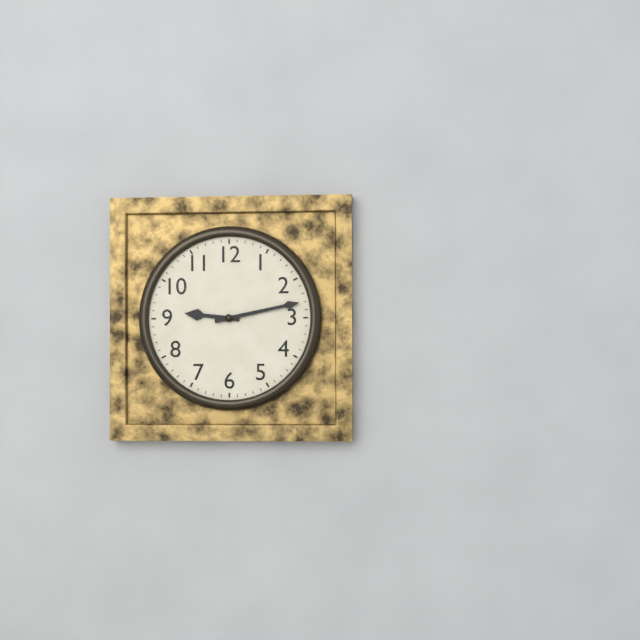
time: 9:13
